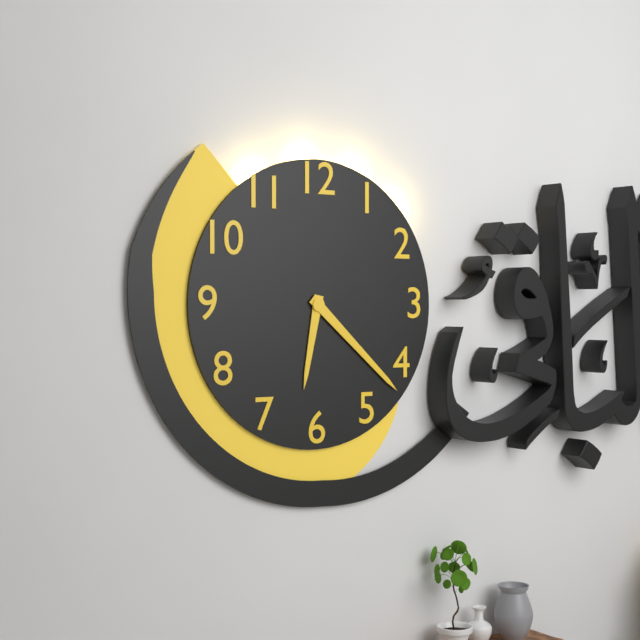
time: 6:22
